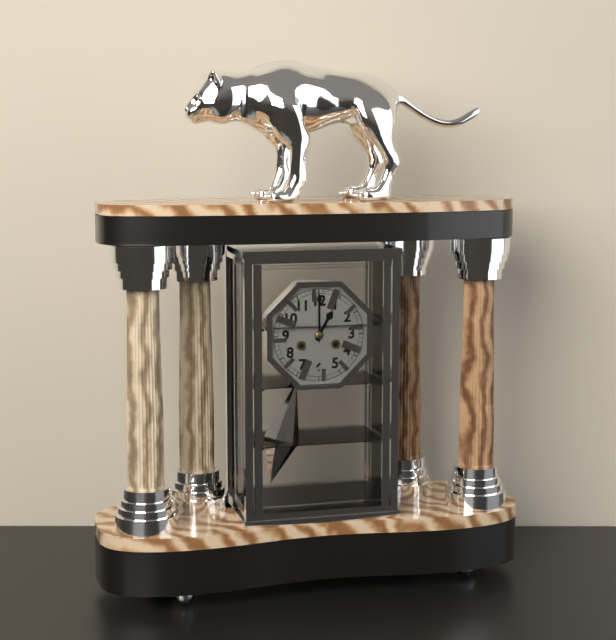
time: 1:00
